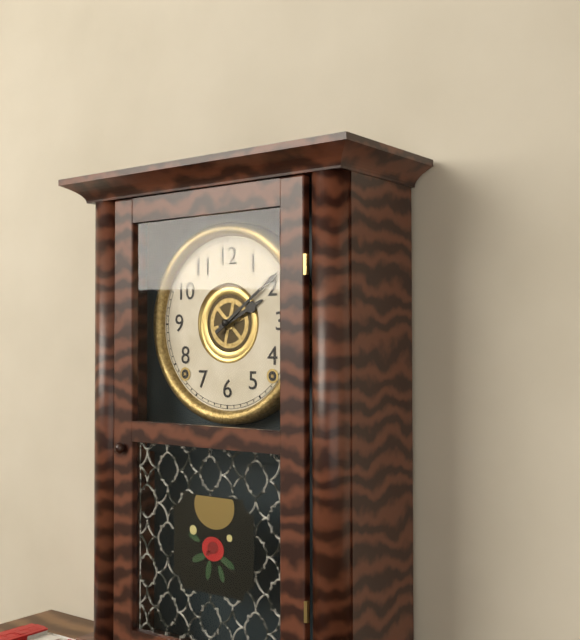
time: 2:09
